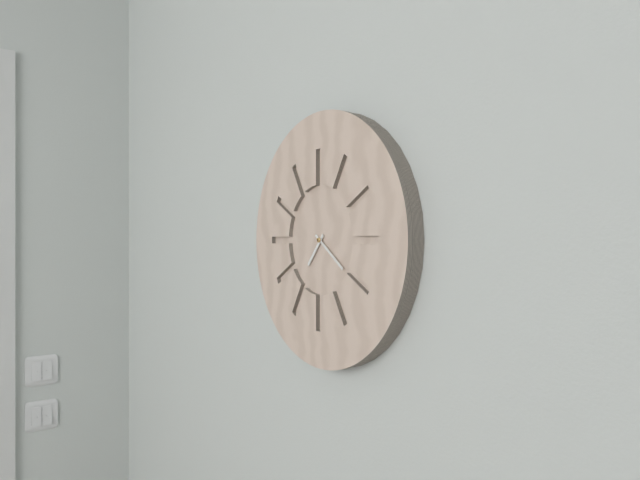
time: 7:21
